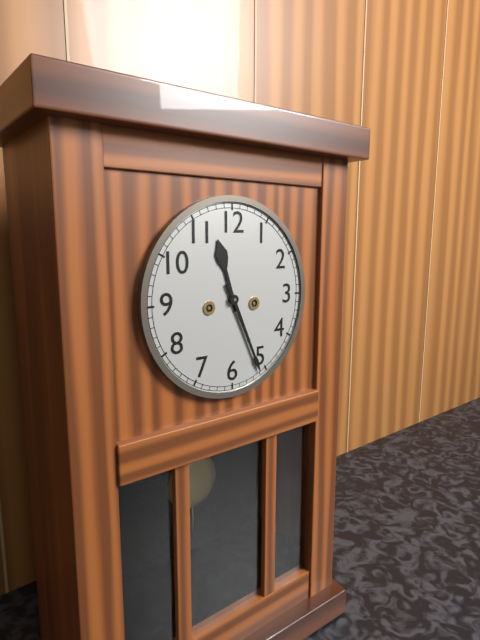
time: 11:26
